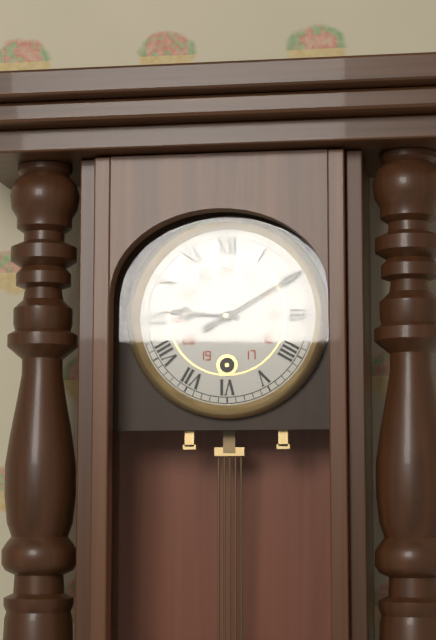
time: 9:10
